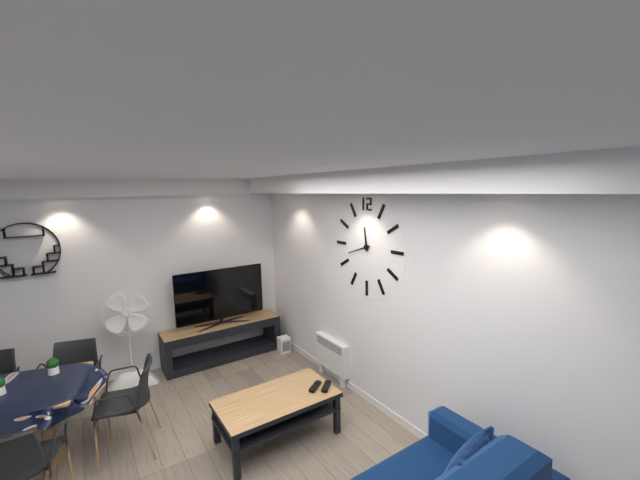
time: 11:42
